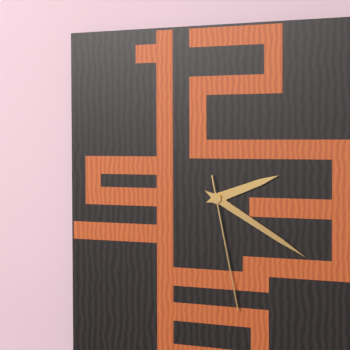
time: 2:20:28
